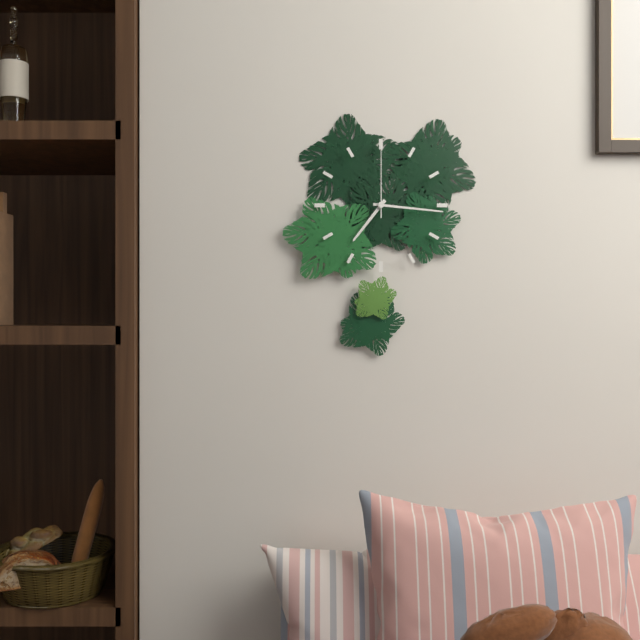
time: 7:16:00
